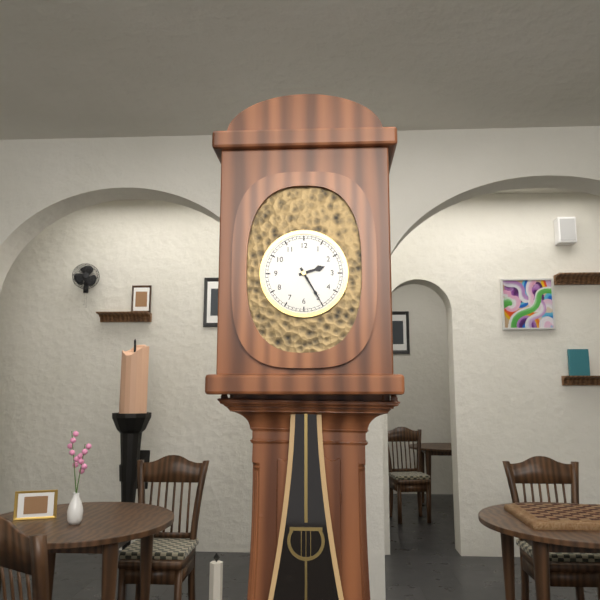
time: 2:25
